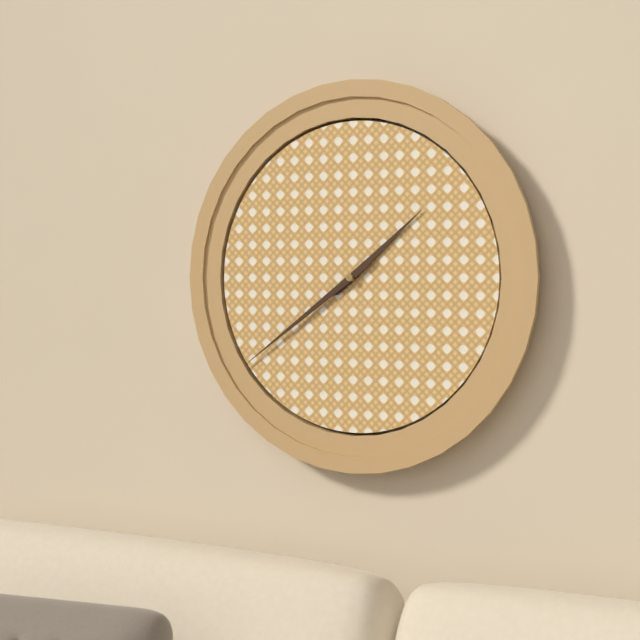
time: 1:39
